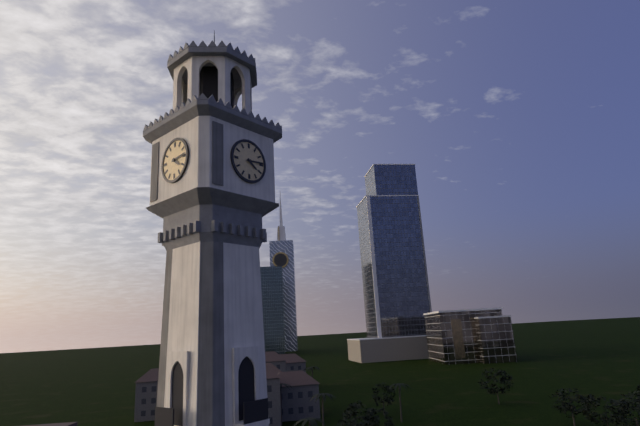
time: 4:14
